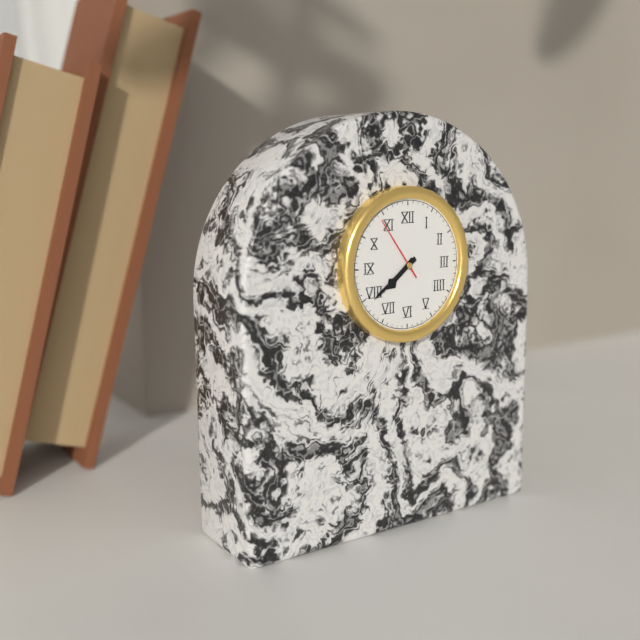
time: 7:39:54
